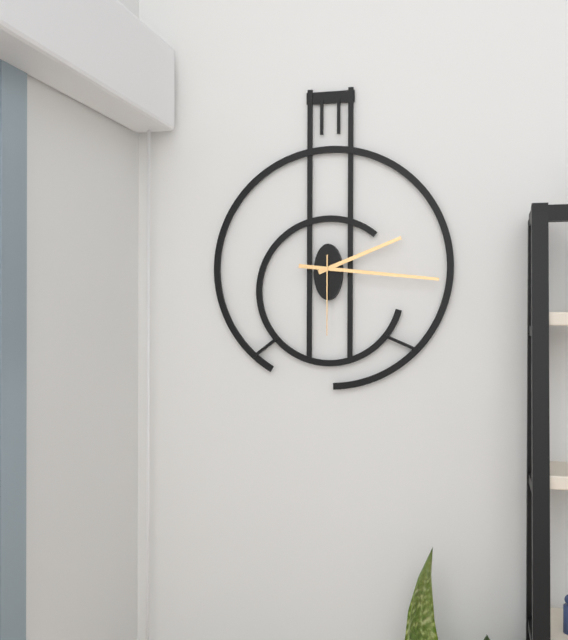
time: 2:16:30
